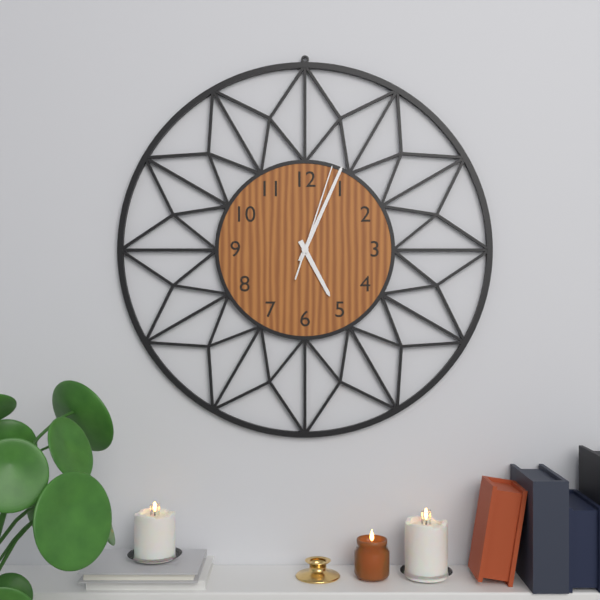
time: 5:04:03
